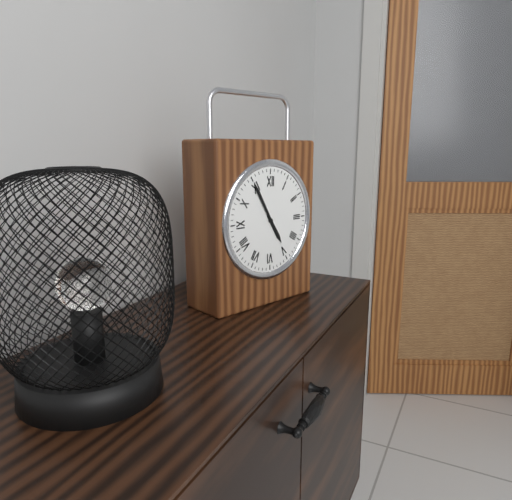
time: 4:55
